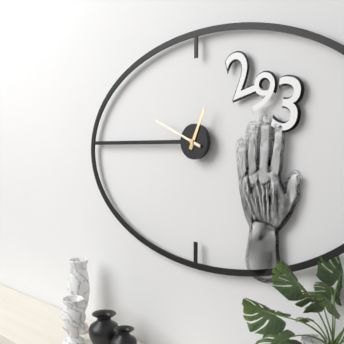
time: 12:49
